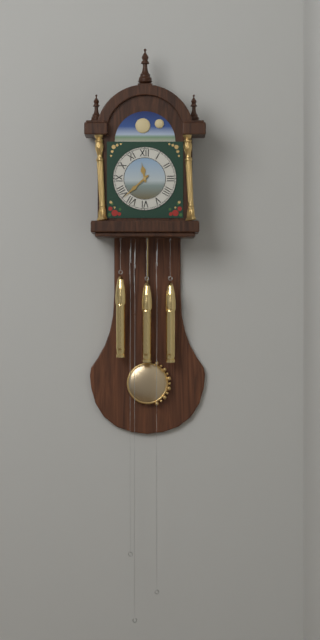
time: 11:38
